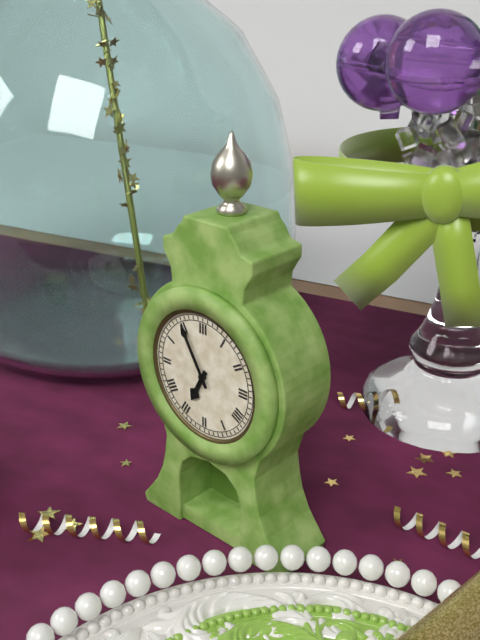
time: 6:55
